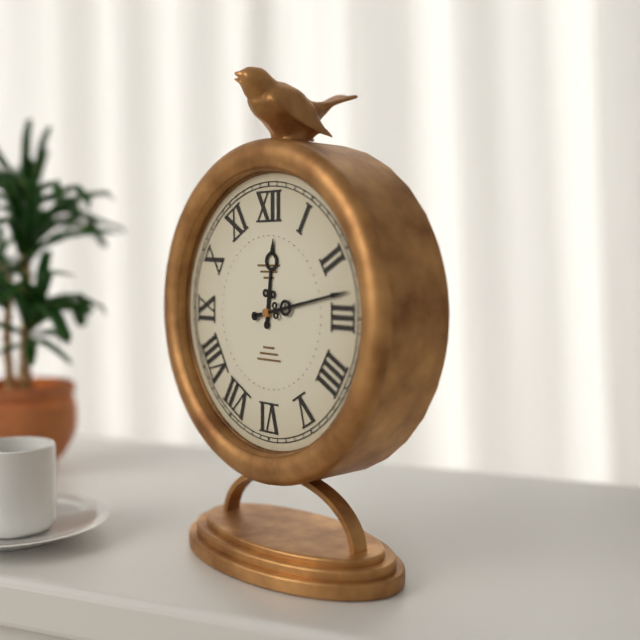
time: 12:13
